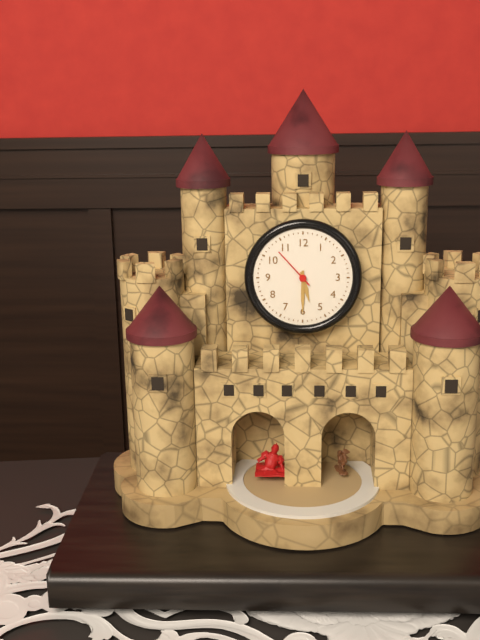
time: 5:30:53
